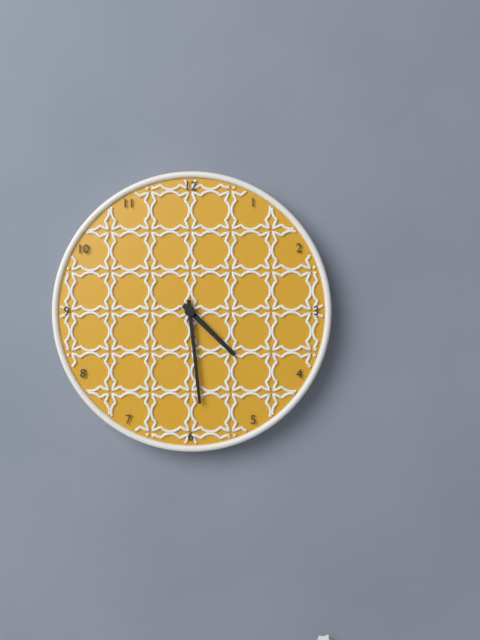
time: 4:29
